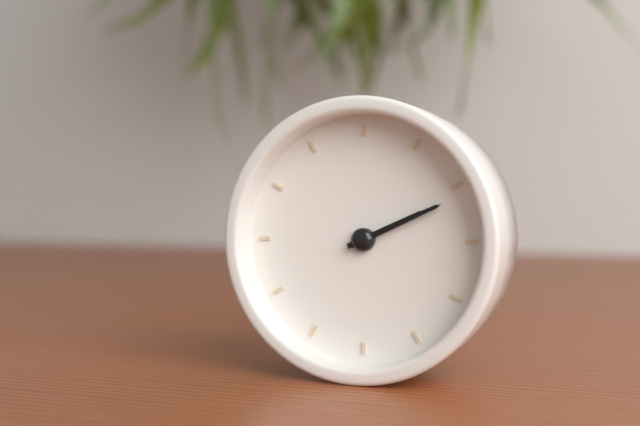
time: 2:11
